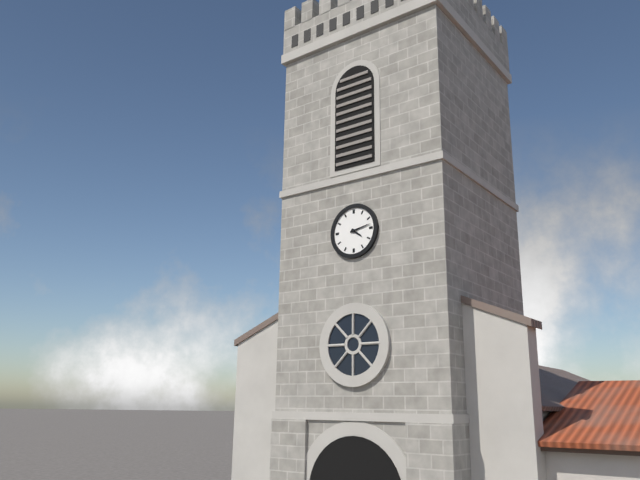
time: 4:13
